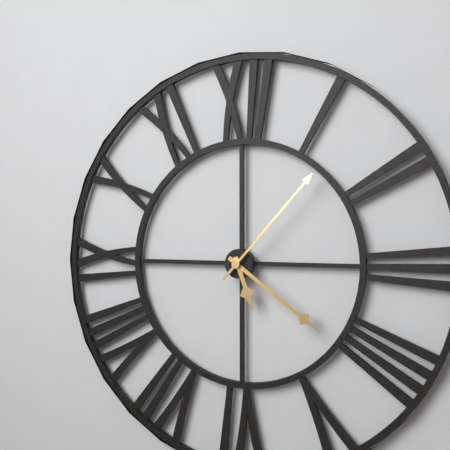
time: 5:21:07
